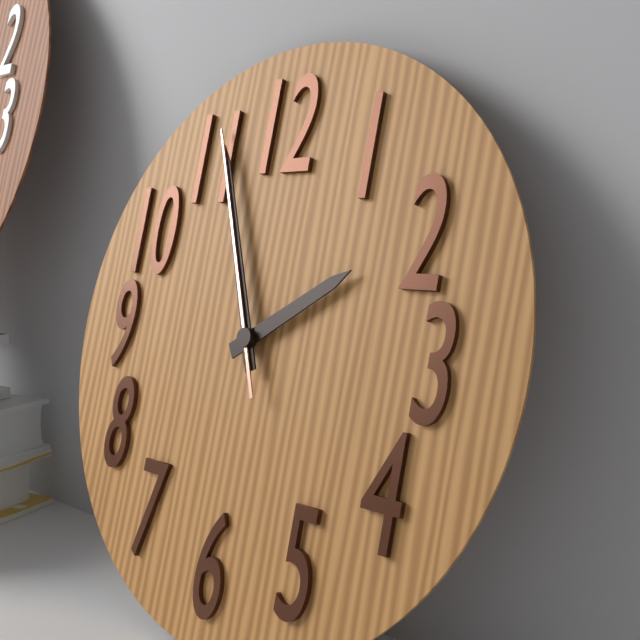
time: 1:56:56
